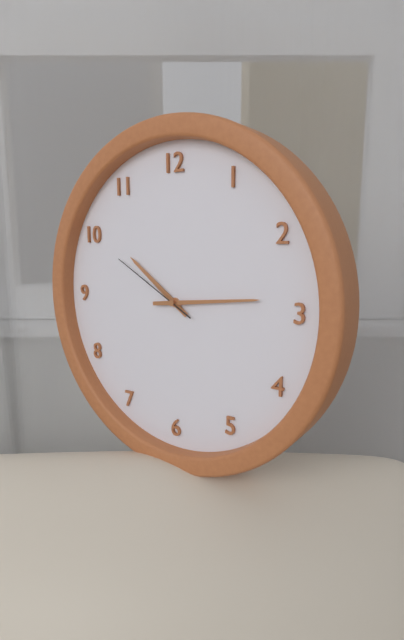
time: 10:14:50
